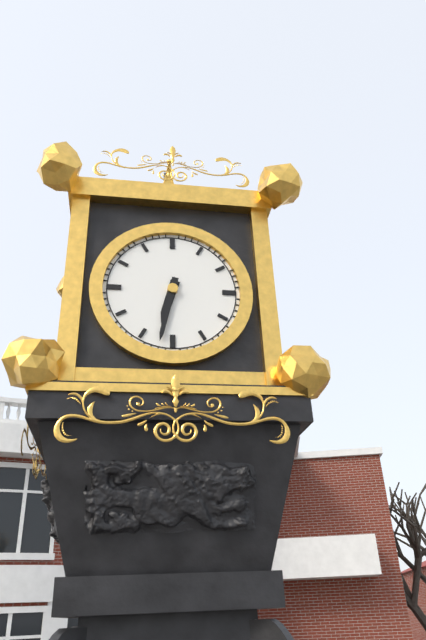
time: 6:32
